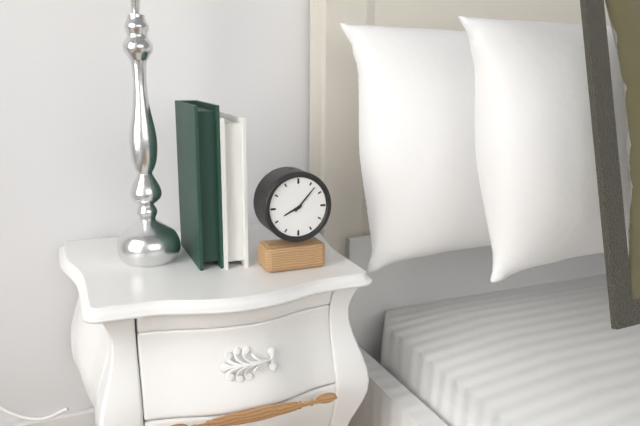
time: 8:07
